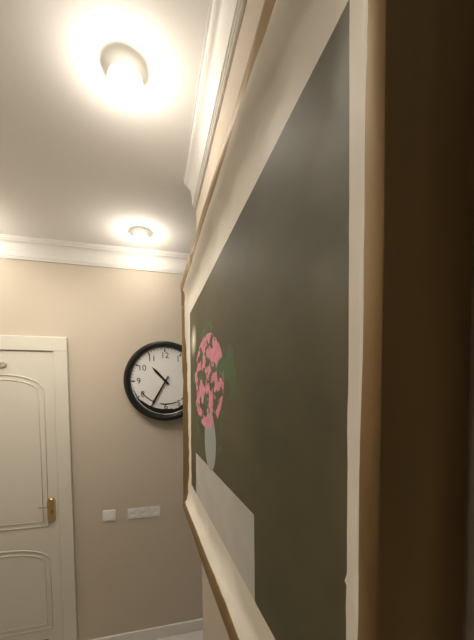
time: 10:35
